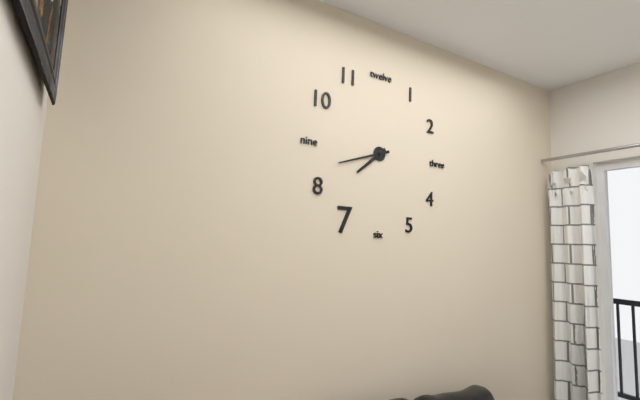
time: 7:42
